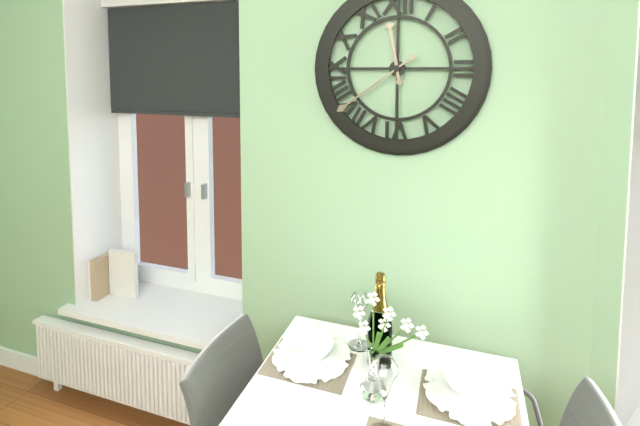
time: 11:39
